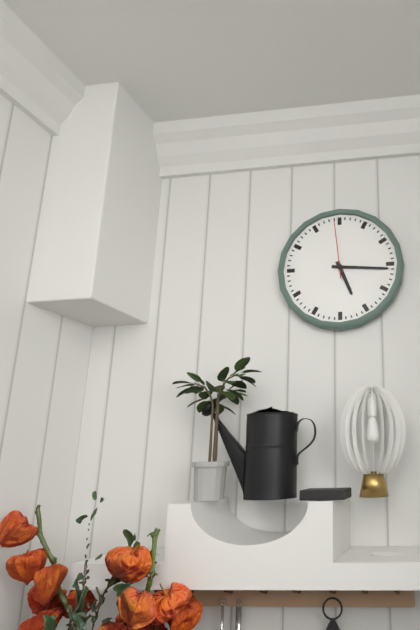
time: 5:16:59
